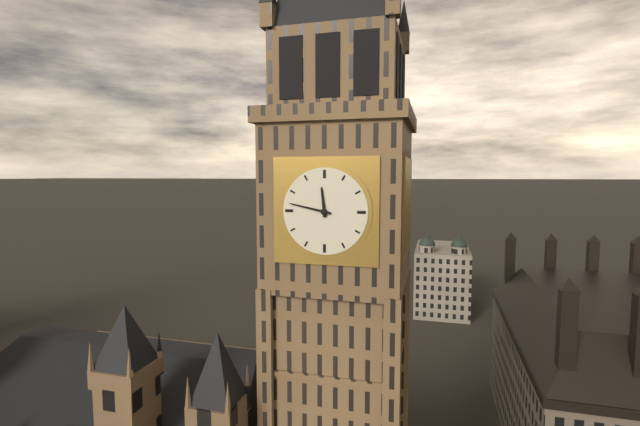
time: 11:47
